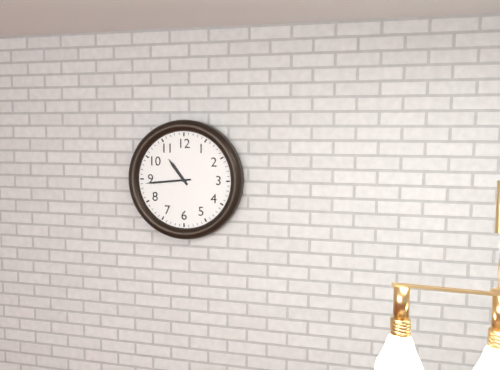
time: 10:44
